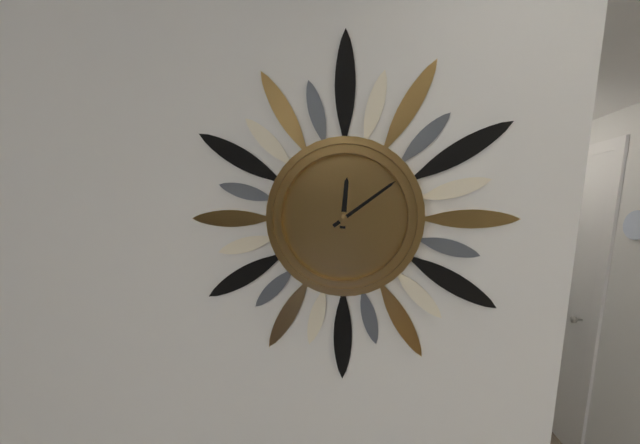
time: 12:09
